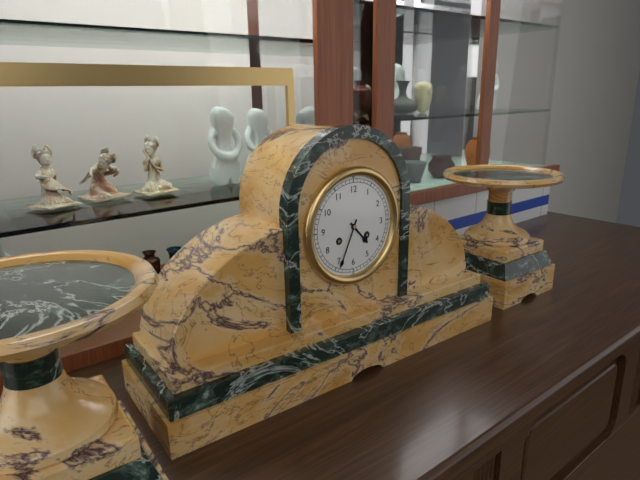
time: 4:34
